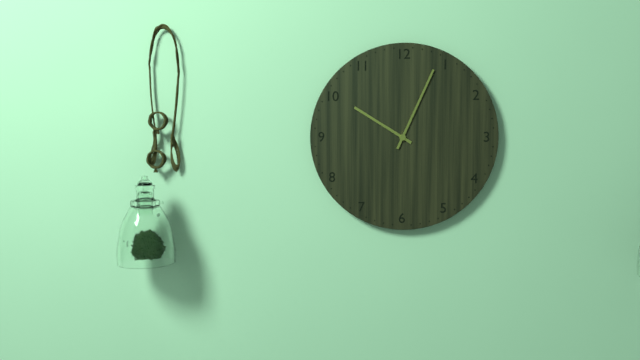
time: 10:04
